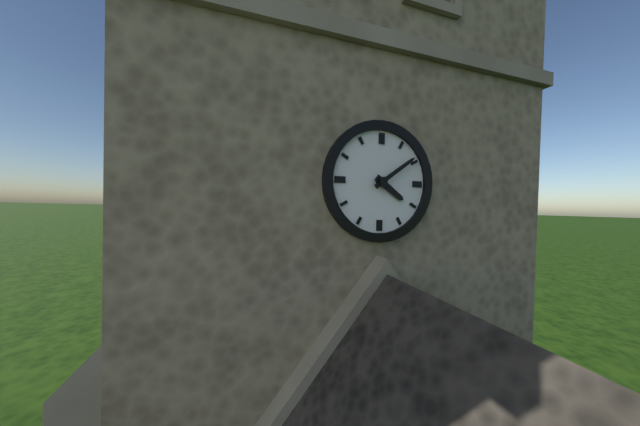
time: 4:09
